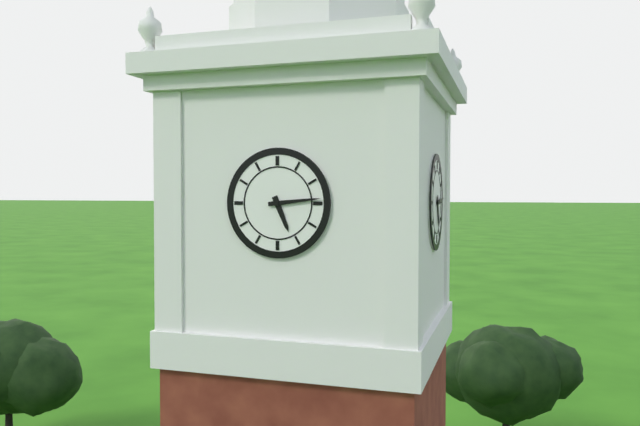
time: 5:14
